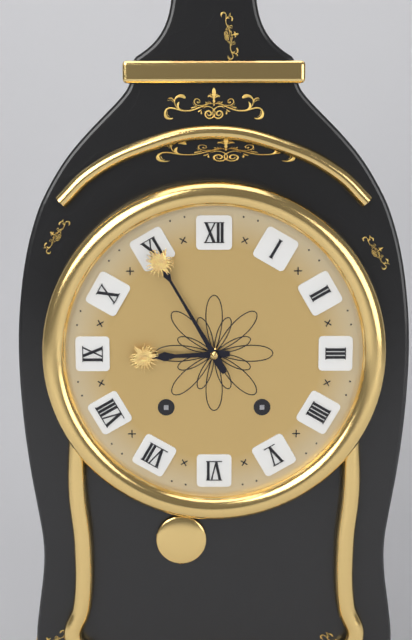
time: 8:55
